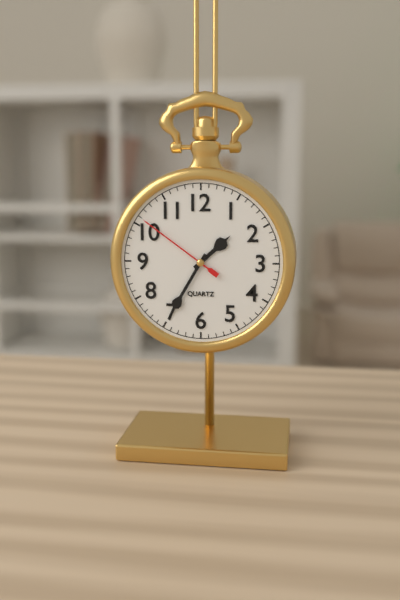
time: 1:35:51
